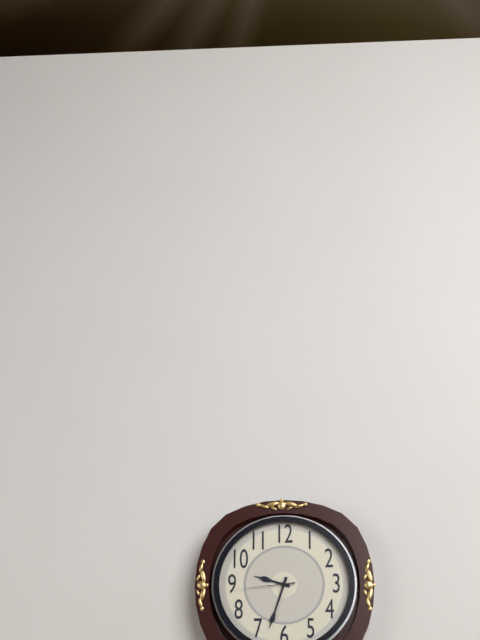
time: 9:33:44
